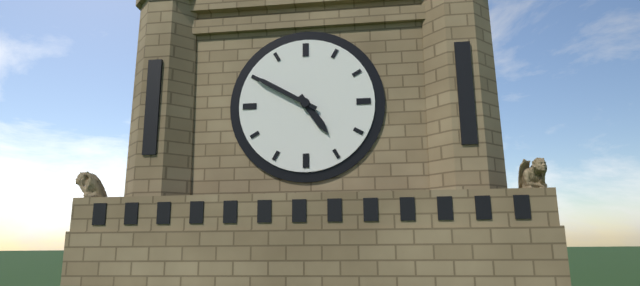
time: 4:50
